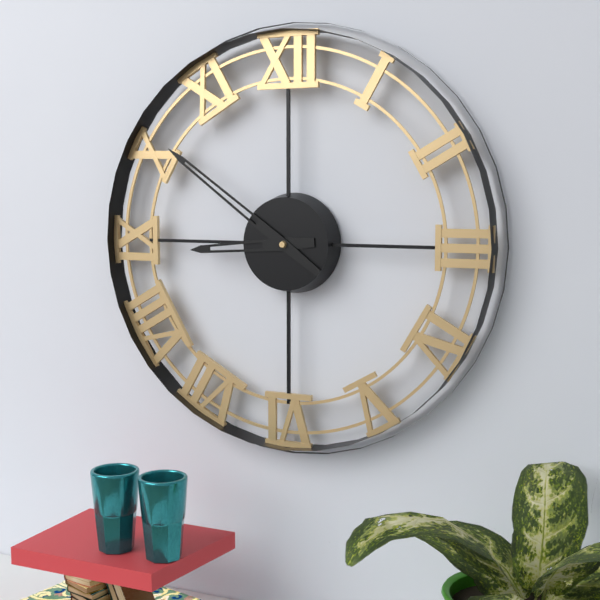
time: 8:51
